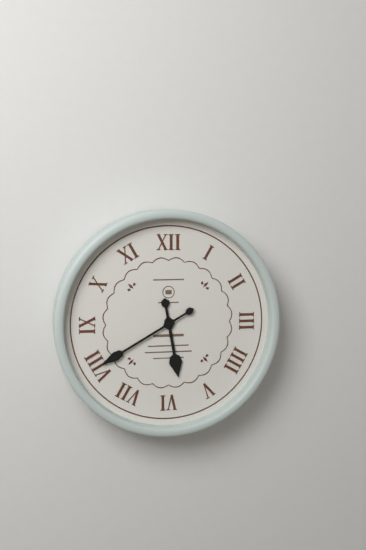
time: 5:40
